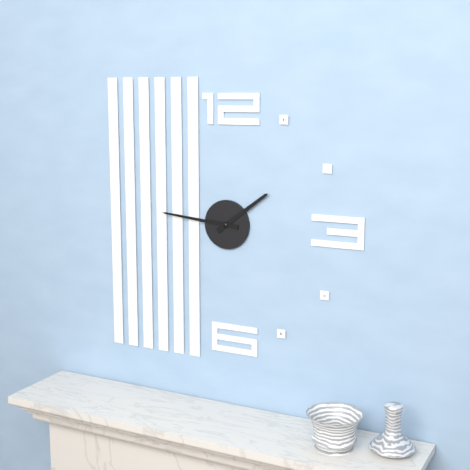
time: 1:46
